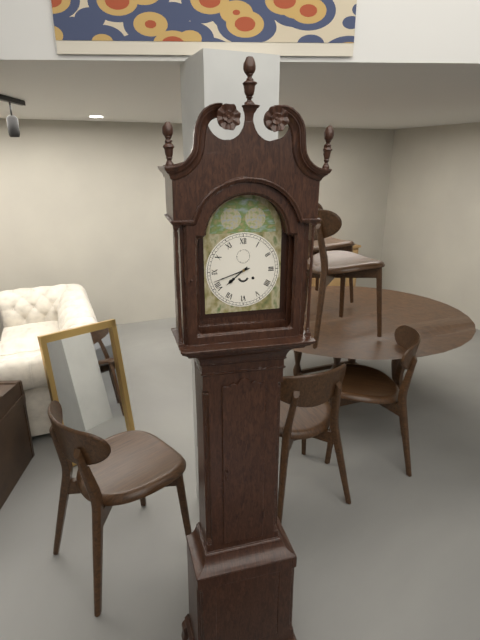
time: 7:42
